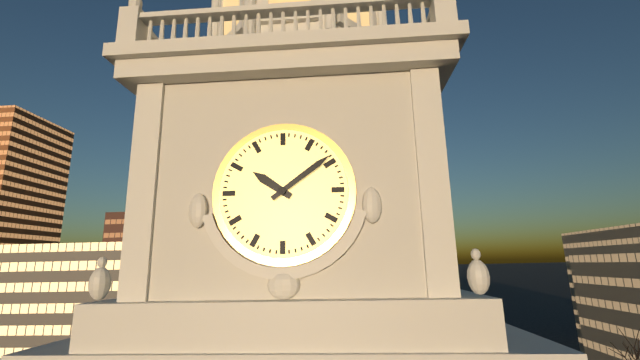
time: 10:09
